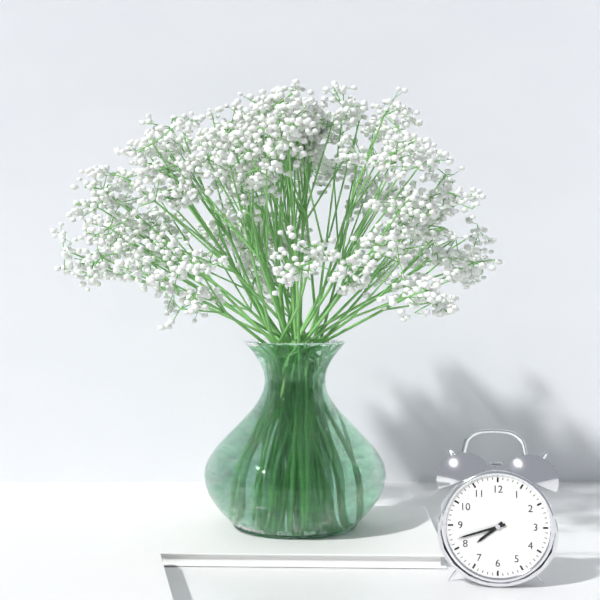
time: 7:42
